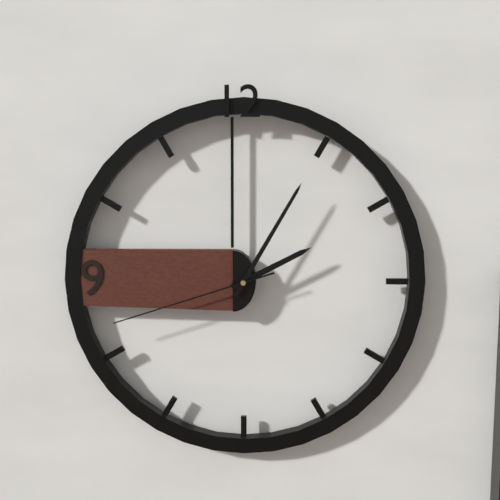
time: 2:05:42
